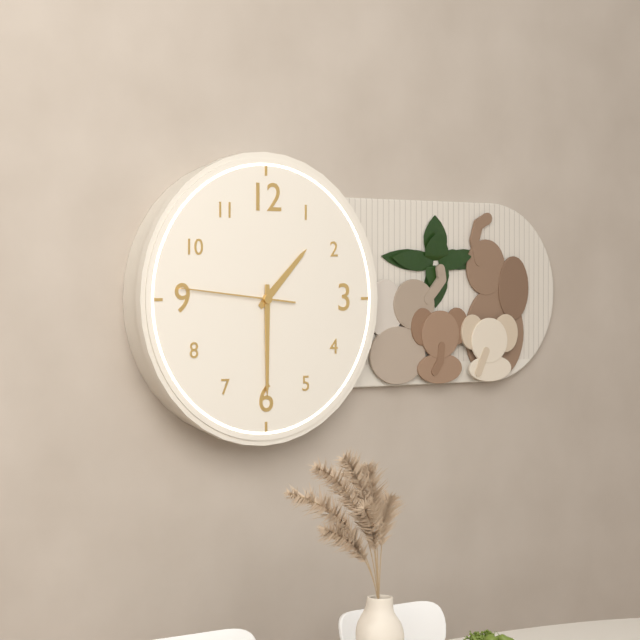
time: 1:30:46
